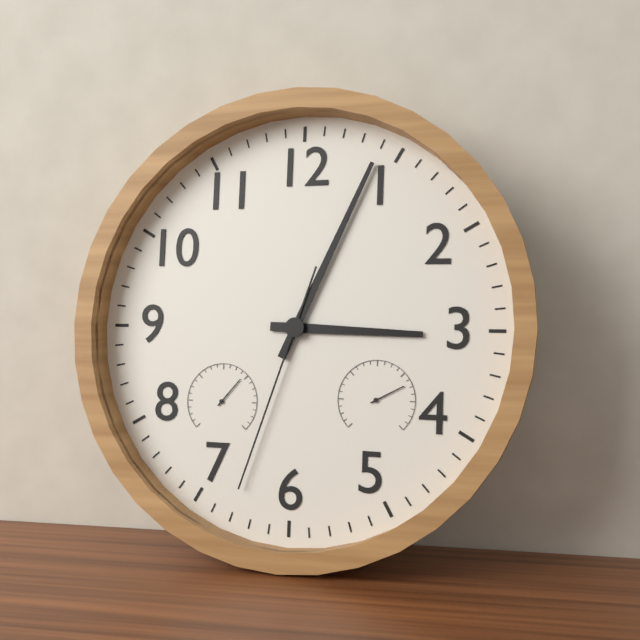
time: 3:04:33
